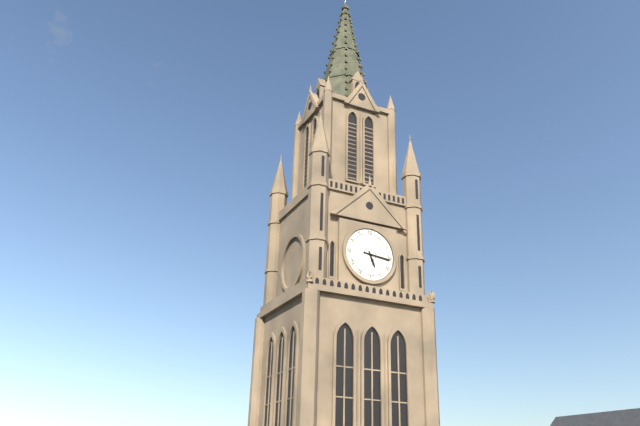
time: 5:16
